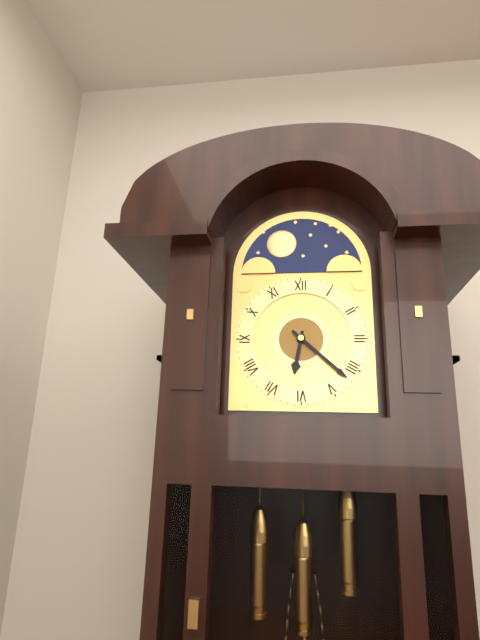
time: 6:22
